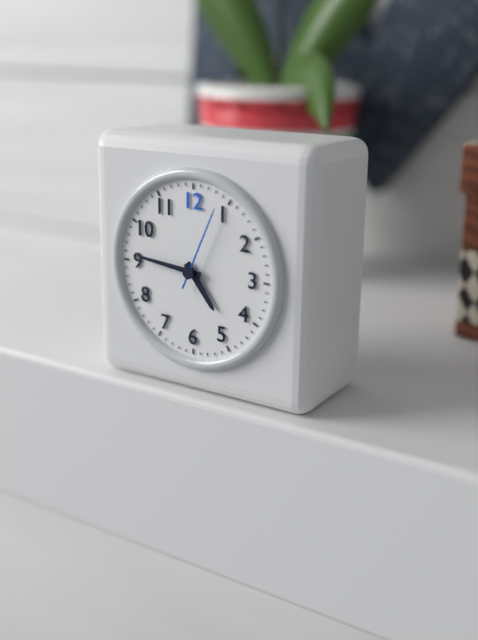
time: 4:46:04
